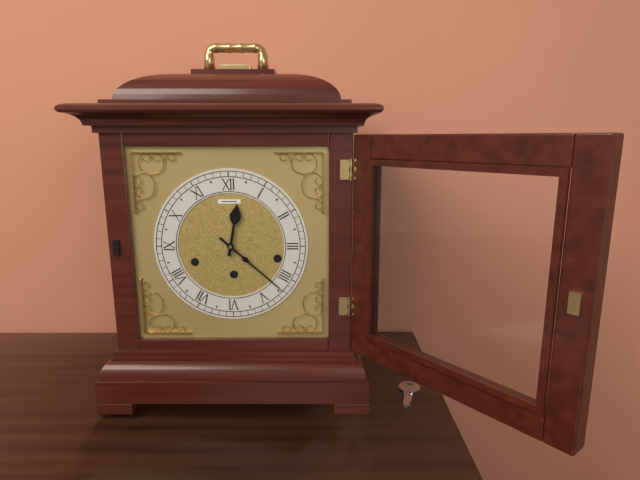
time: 12:22
